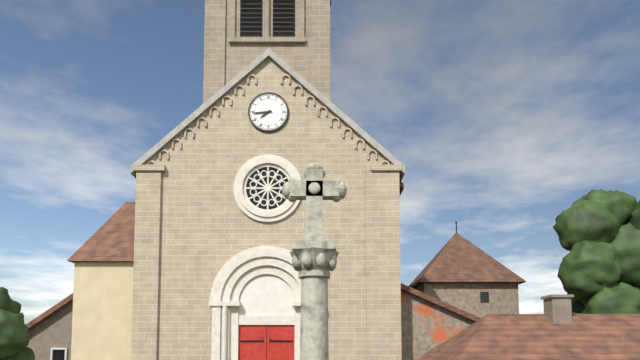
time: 7:44
